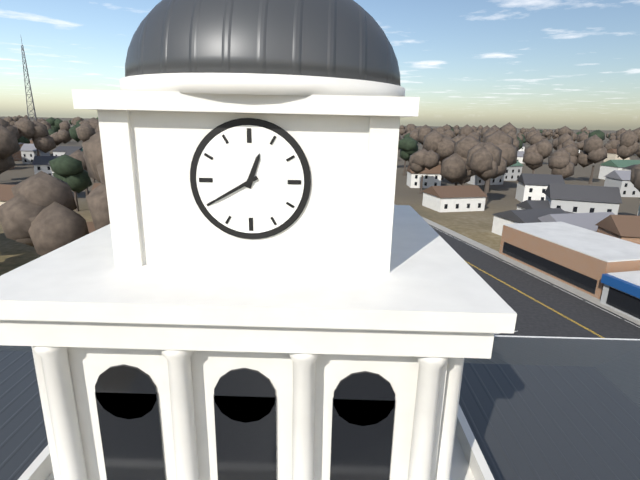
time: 12:40
